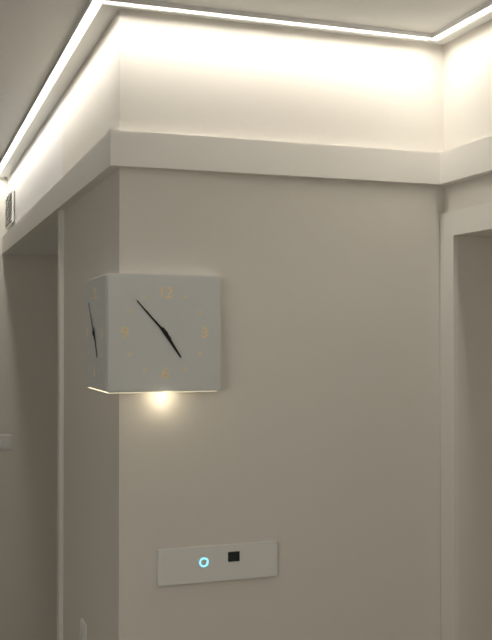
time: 4:53
